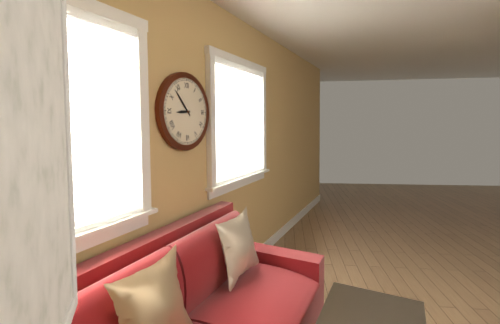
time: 8:53
